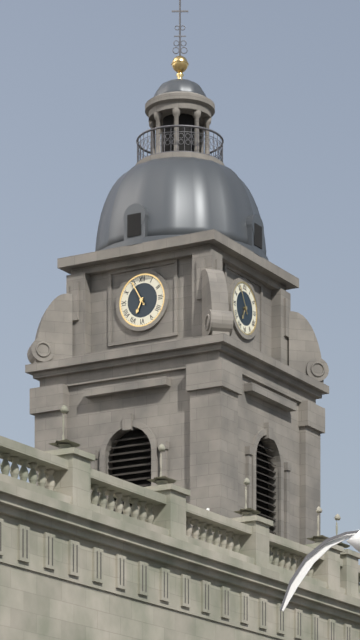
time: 6:55
